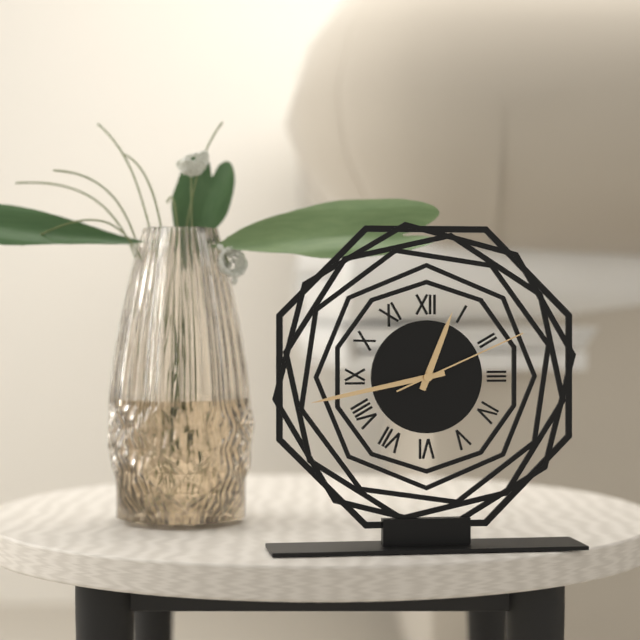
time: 12:43:11
